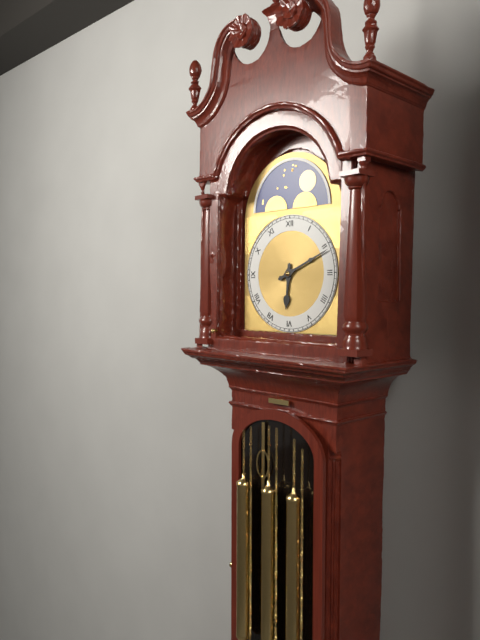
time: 6:11
